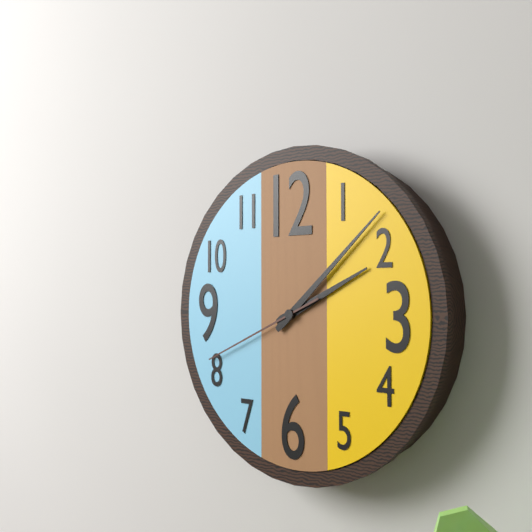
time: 2:08:41
